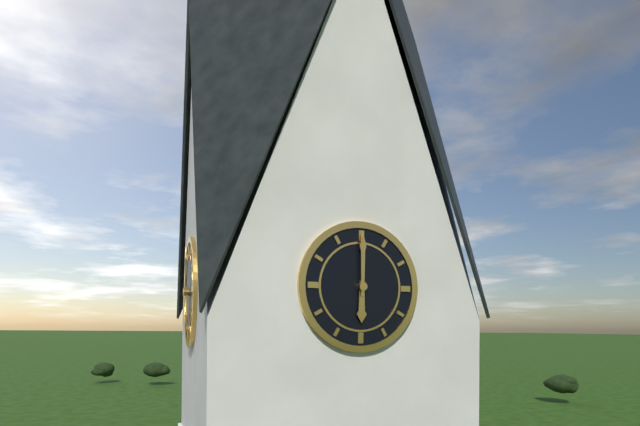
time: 6:00
